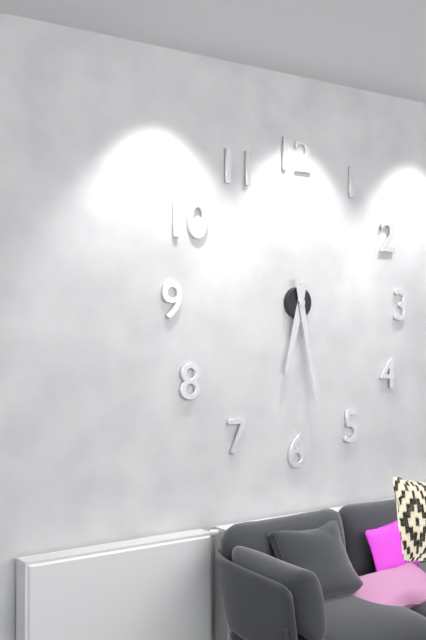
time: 6:28
